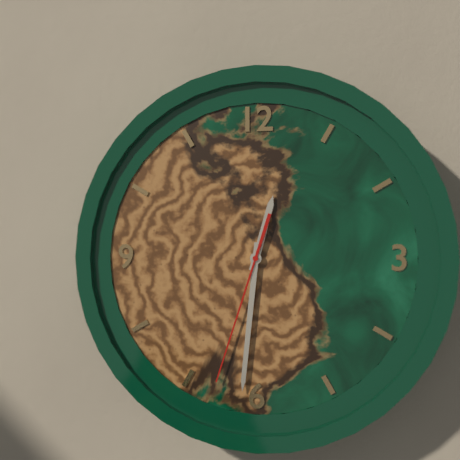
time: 12:31:33
